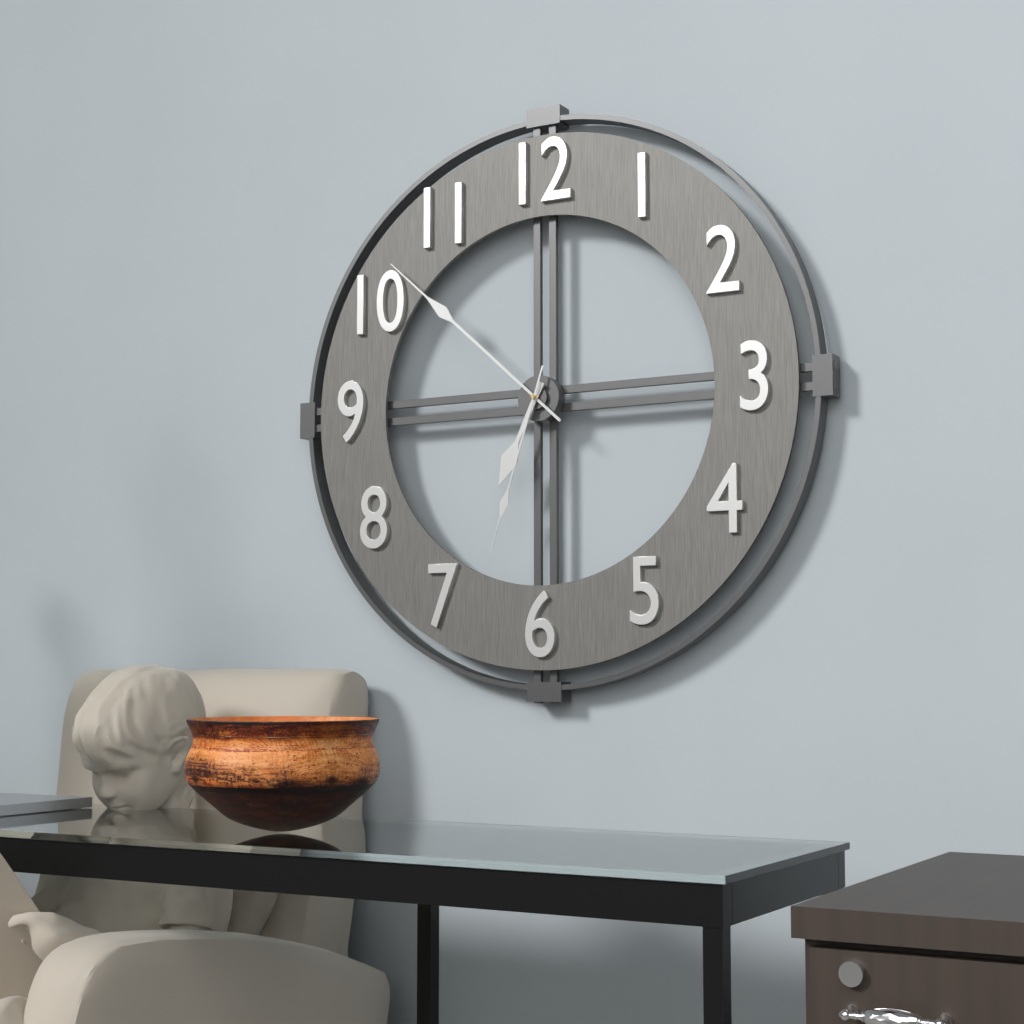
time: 6:52:33
